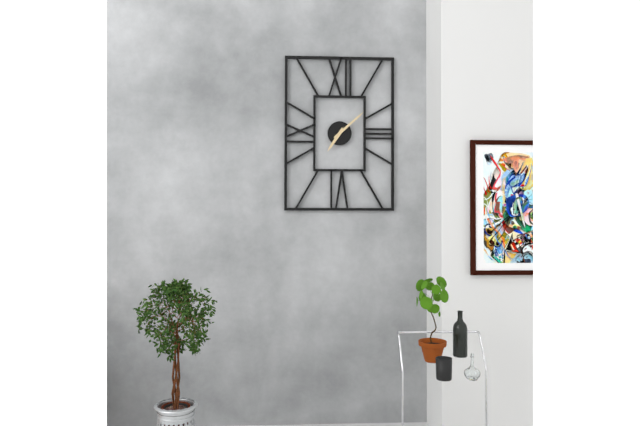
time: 7:08
